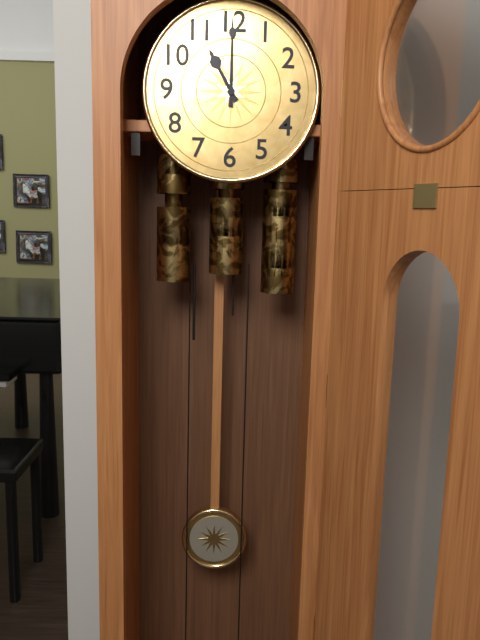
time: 11:00
